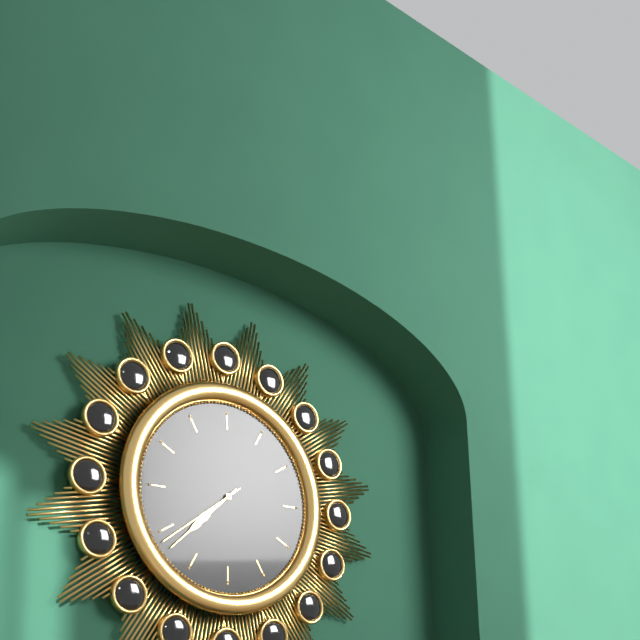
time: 7:38:39
